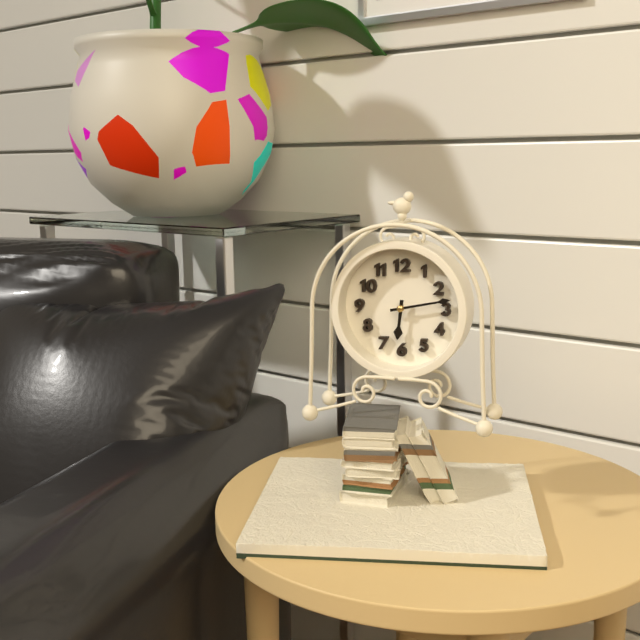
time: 6:13
